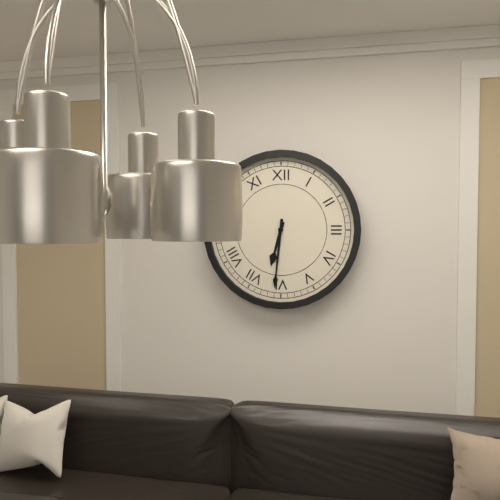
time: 6:31
